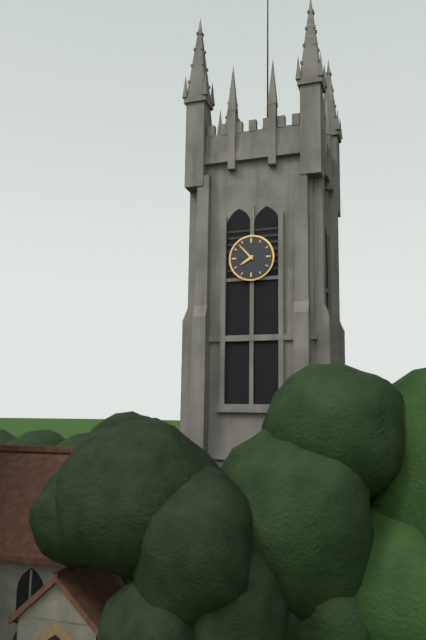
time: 7:53
